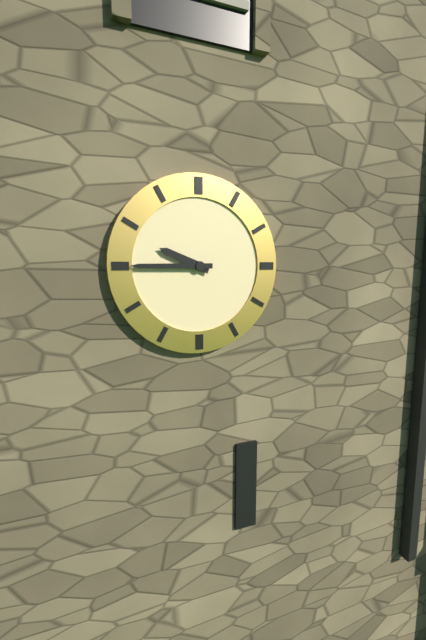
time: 9:45
